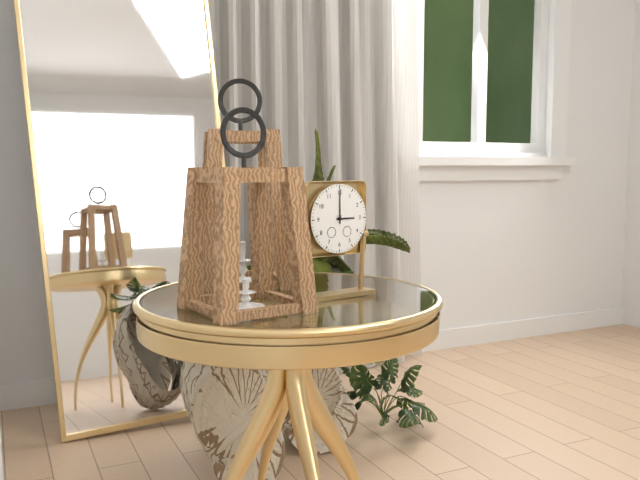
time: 3:00
